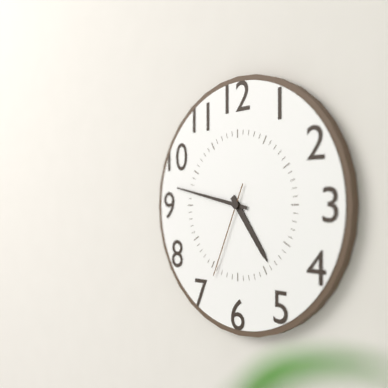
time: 4:47:34
